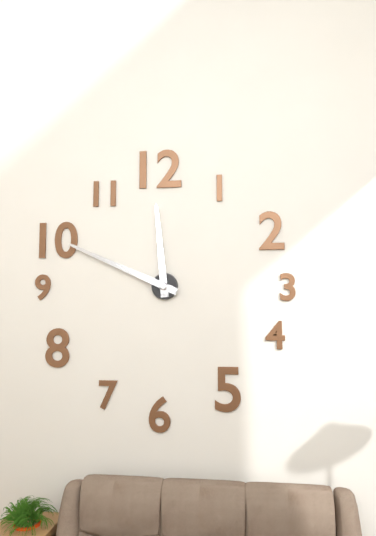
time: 11:49
